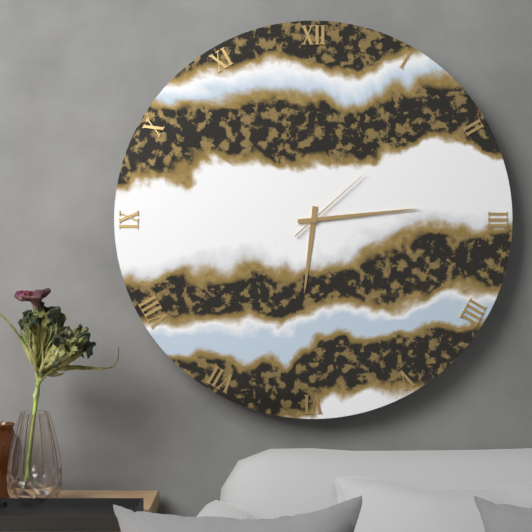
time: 6:14:08
